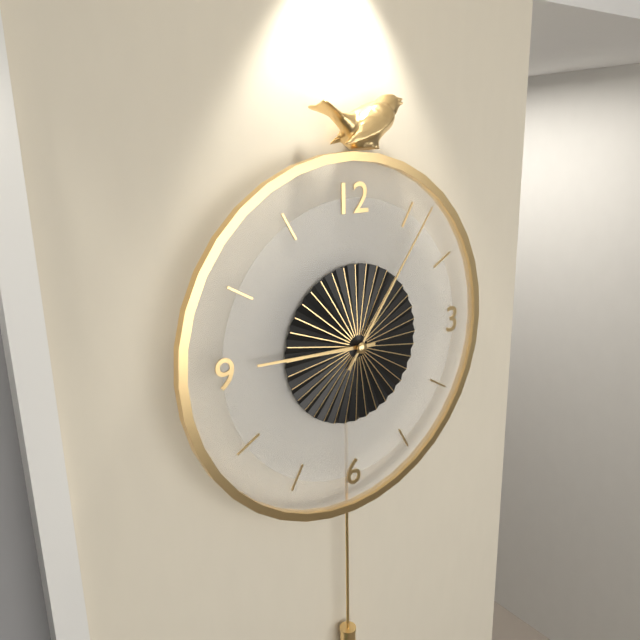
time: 9:06
